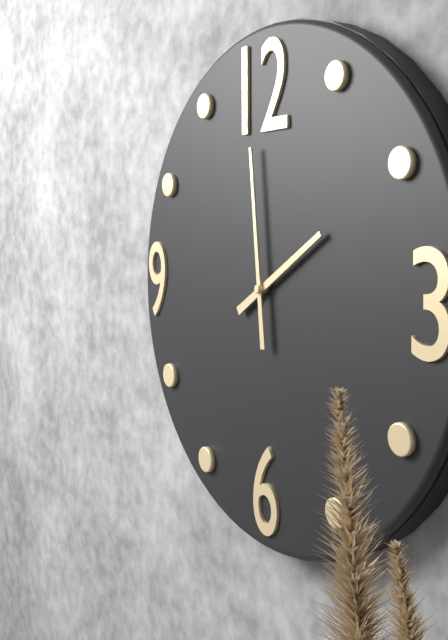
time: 1:59
